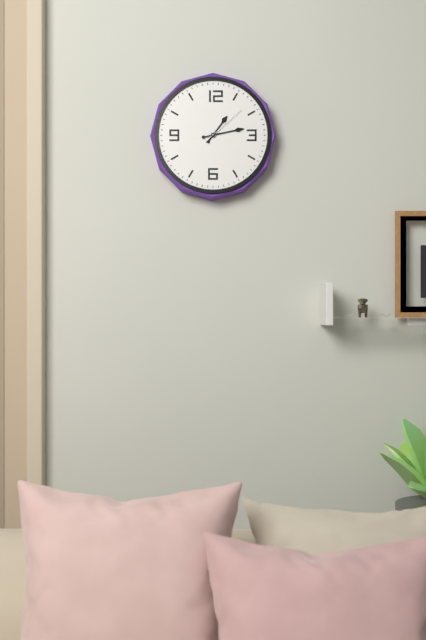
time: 1:13
